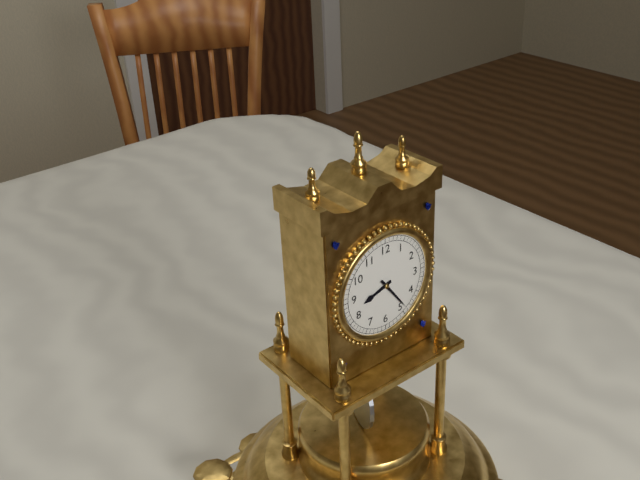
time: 8:24
